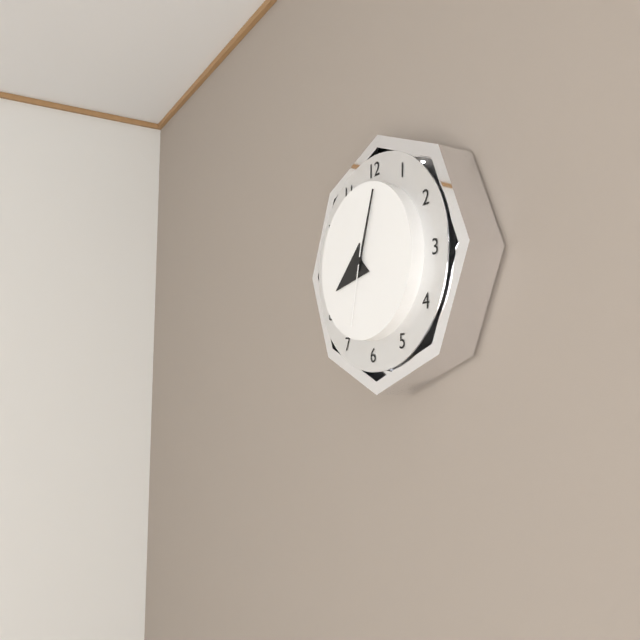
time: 8:03:32
